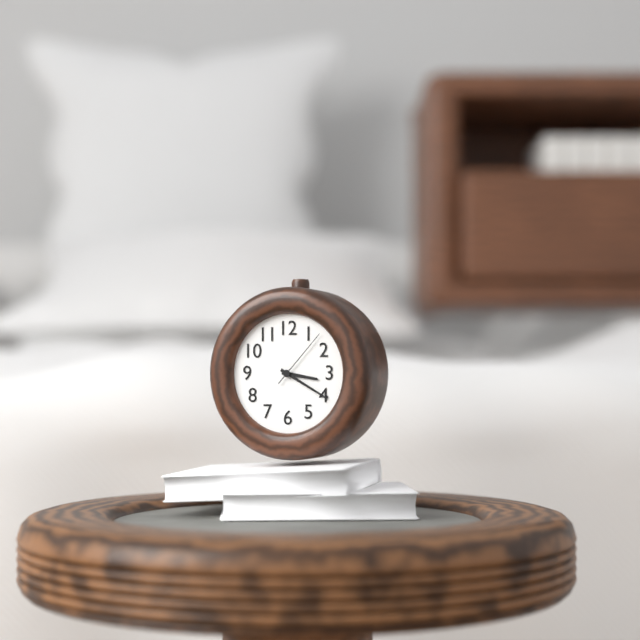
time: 3:20:07
